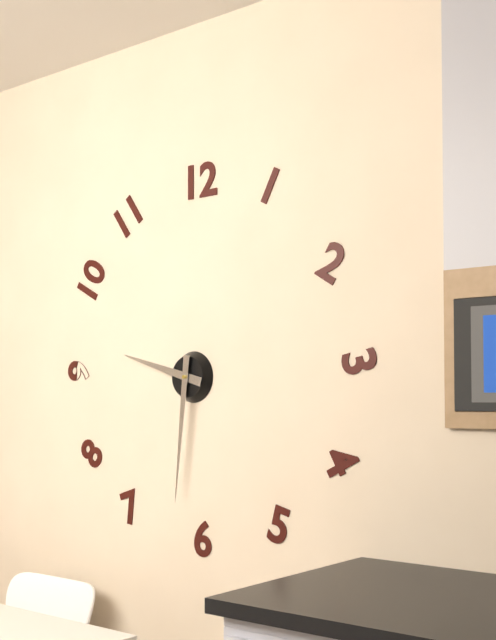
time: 9:31
